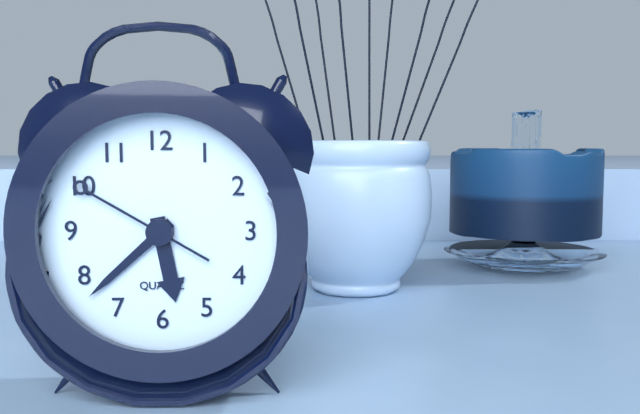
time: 5:38:50
